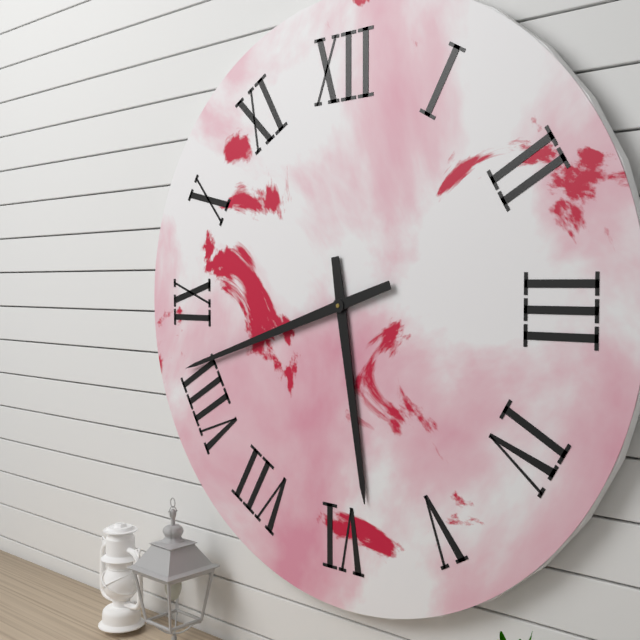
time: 5:42
